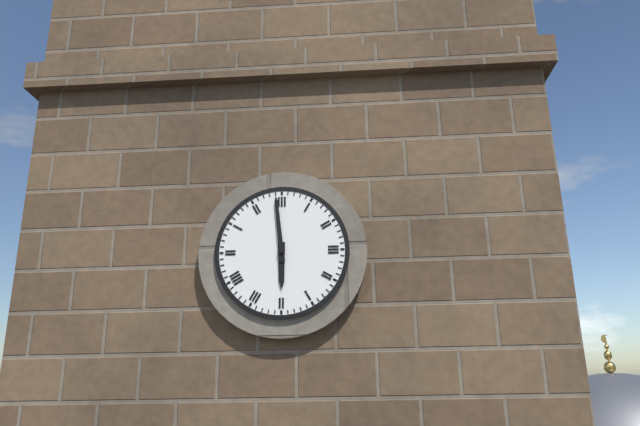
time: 5:59
